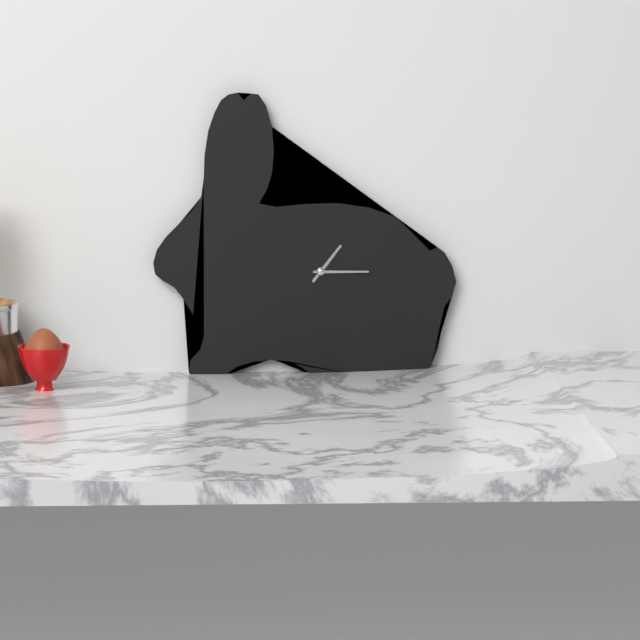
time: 1:15
